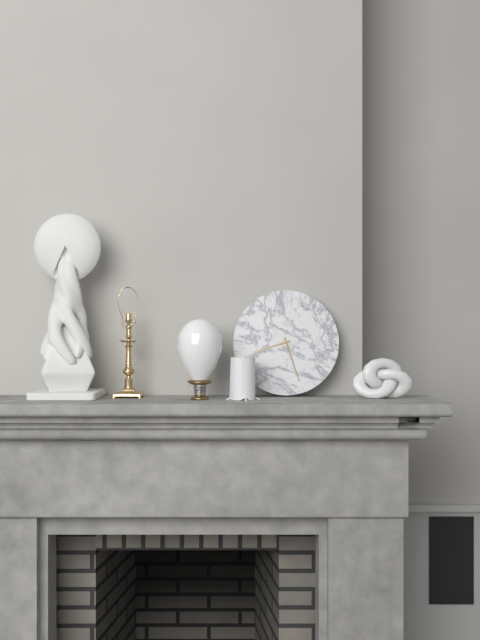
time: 8:27
